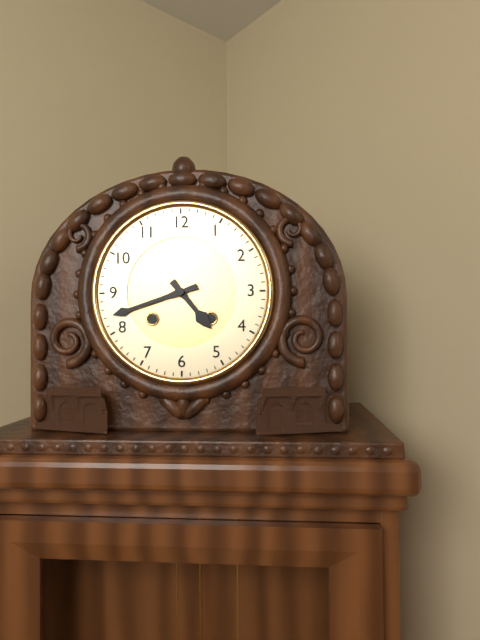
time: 4:42
